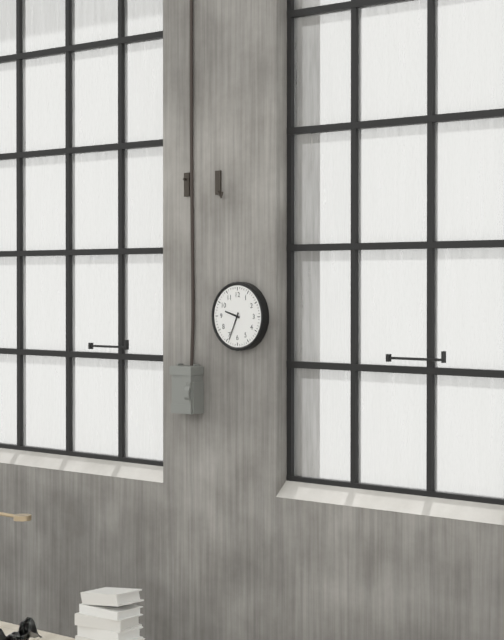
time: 9:34
